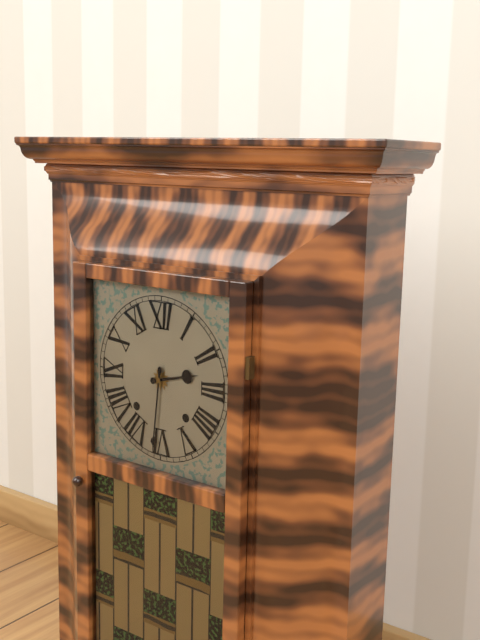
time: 2:31
